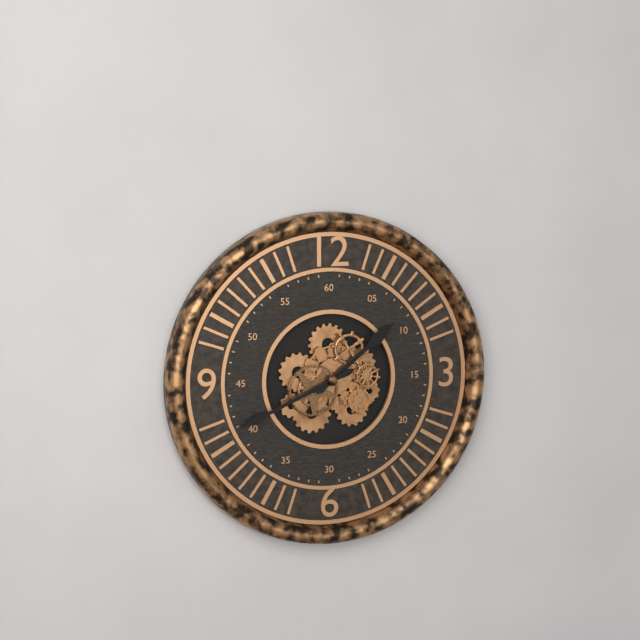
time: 1:41
